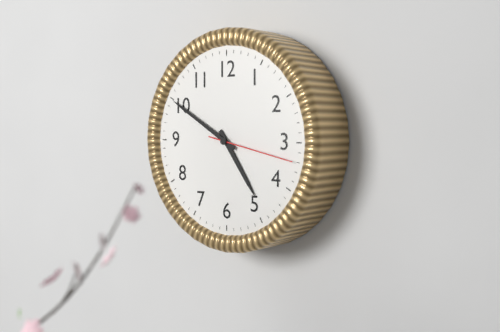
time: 4:50:17
